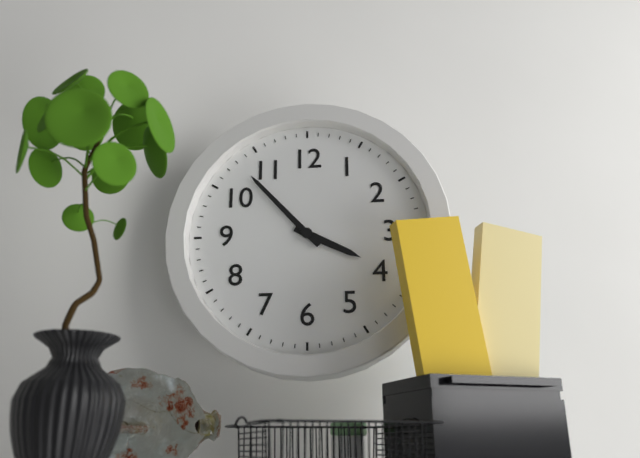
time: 3:53
